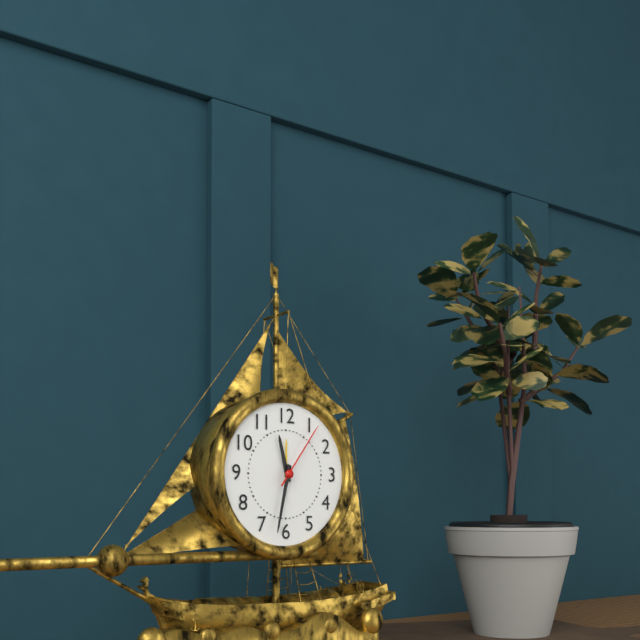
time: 11:32:06
